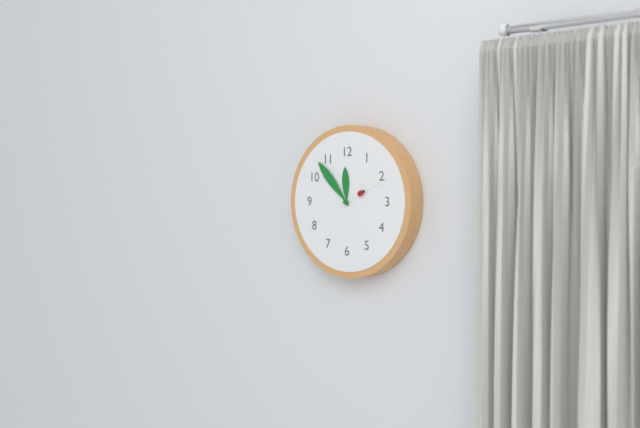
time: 11:53:11
